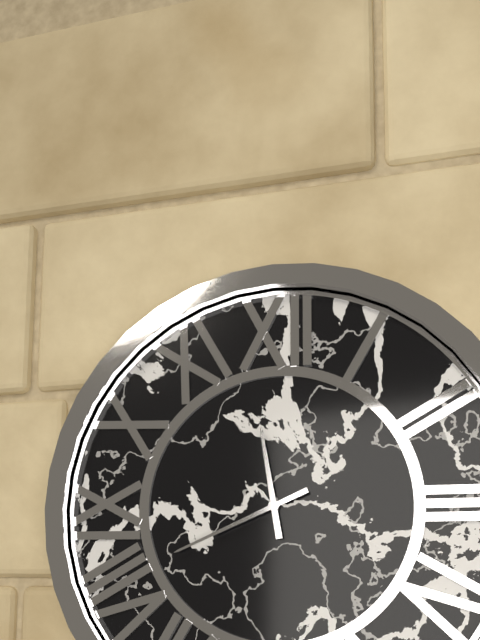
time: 11:41
